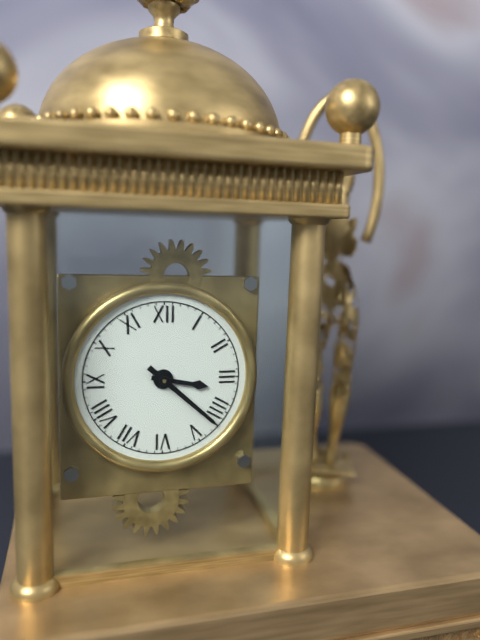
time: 3:22
